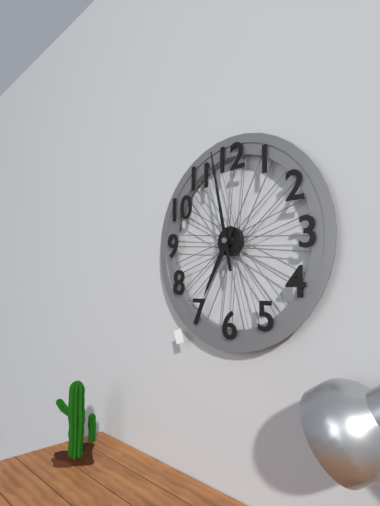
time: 6:58
